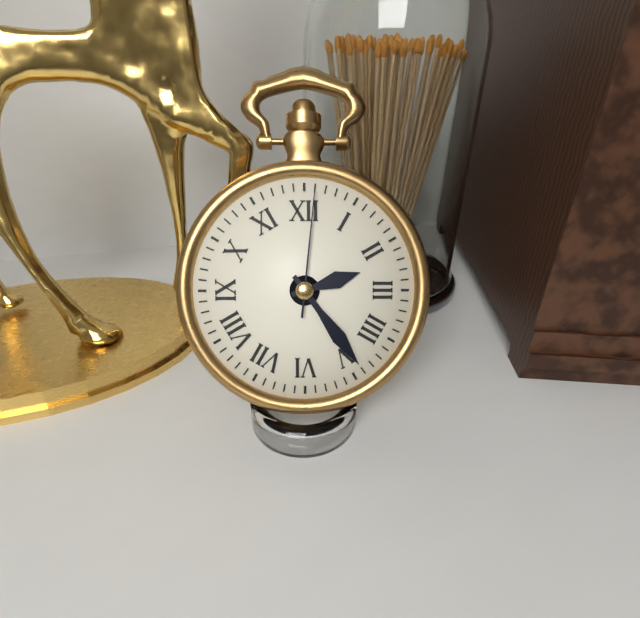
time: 2:24:01
